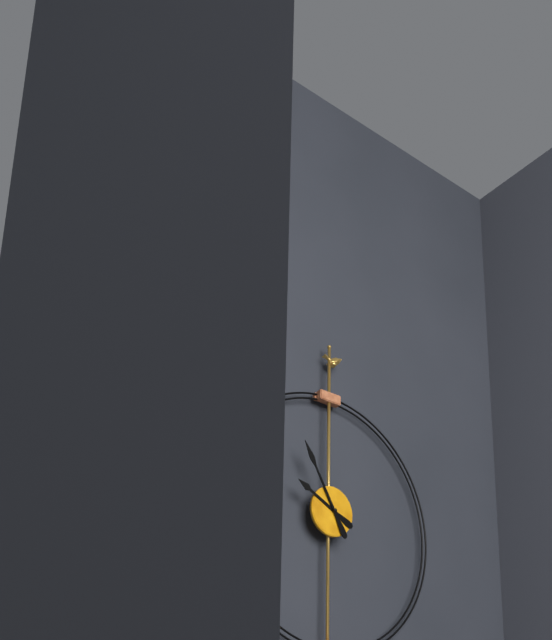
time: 9:55
